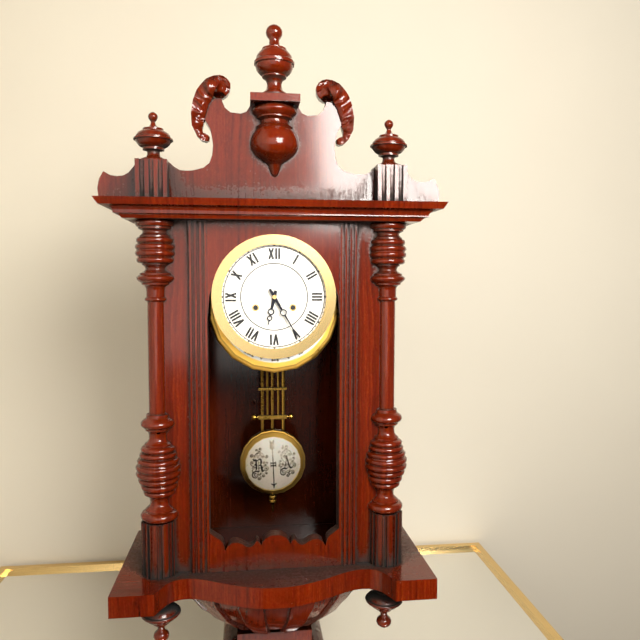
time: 6:25
